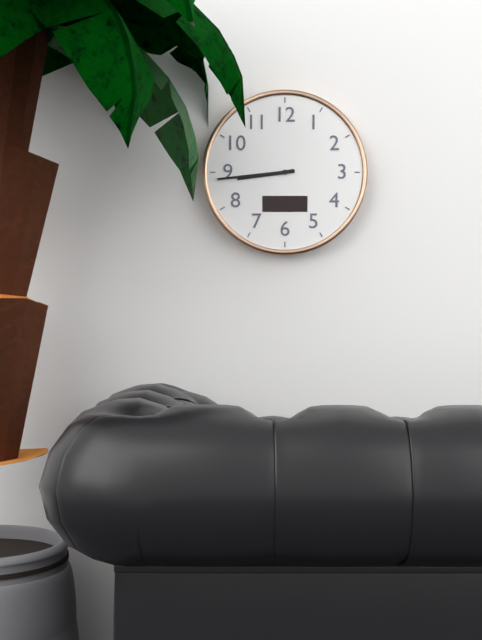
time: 8:44
